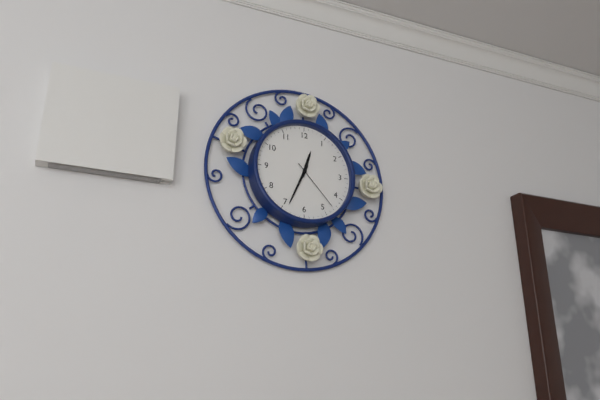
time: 12:34:23
